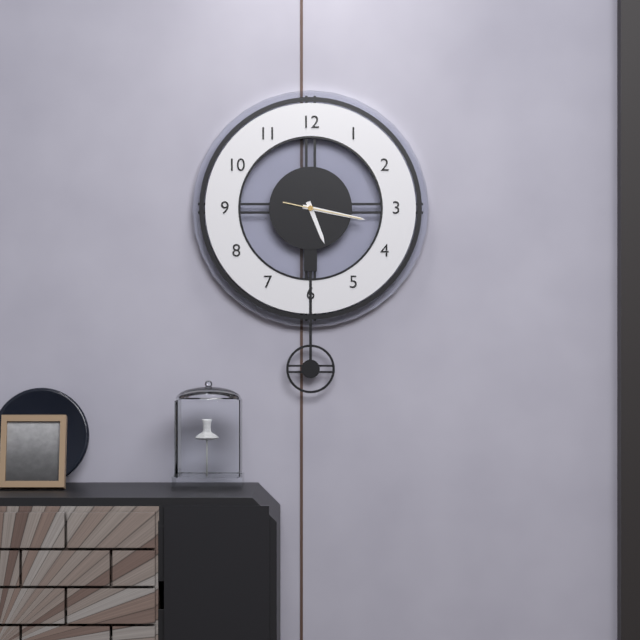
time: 5:17:17
